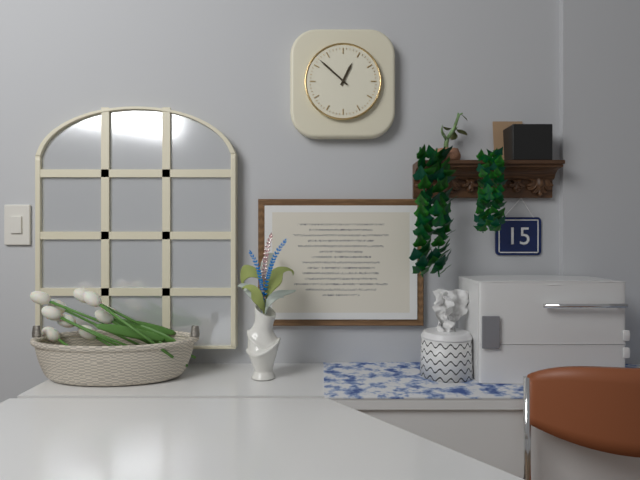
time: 12:52
